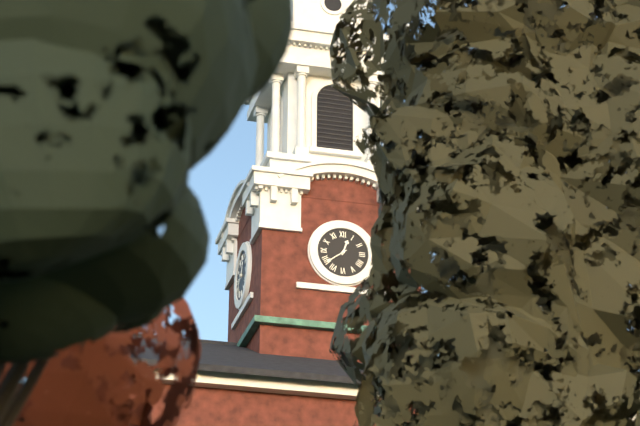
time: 12:39
